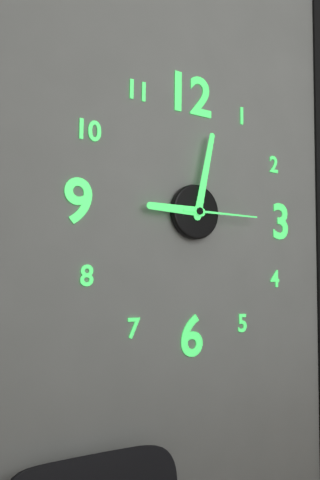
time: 9:02:15
